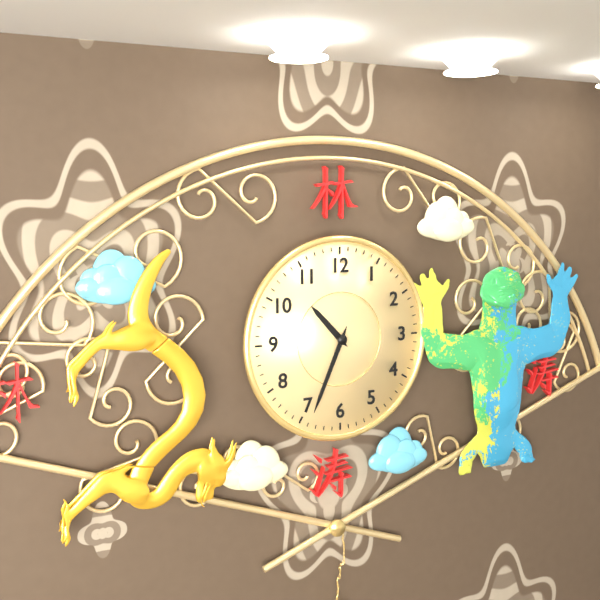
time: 10:34
